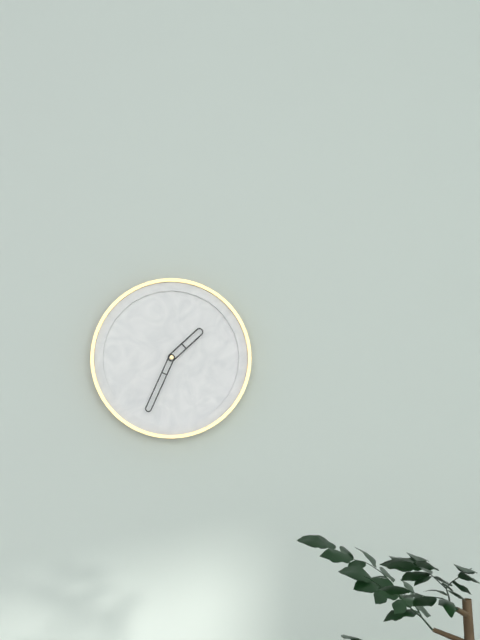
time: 1:34
